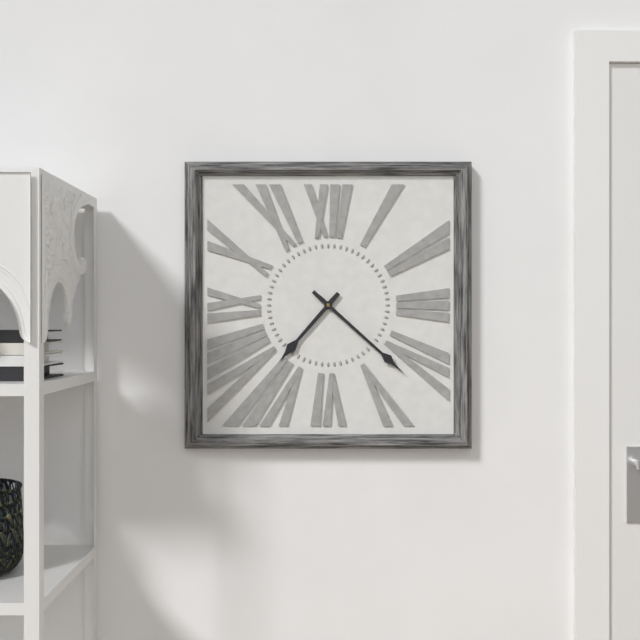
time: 7:22
